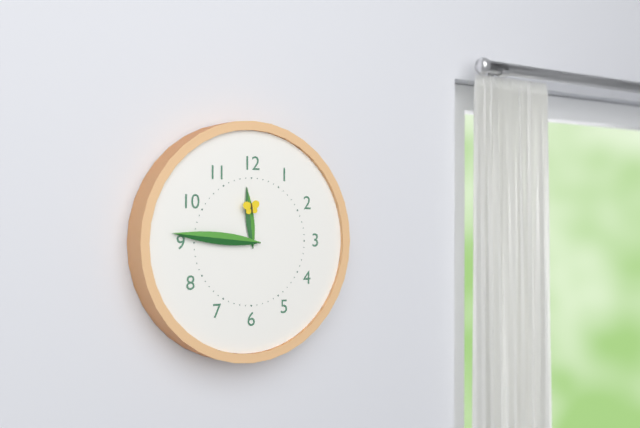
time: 11:46
